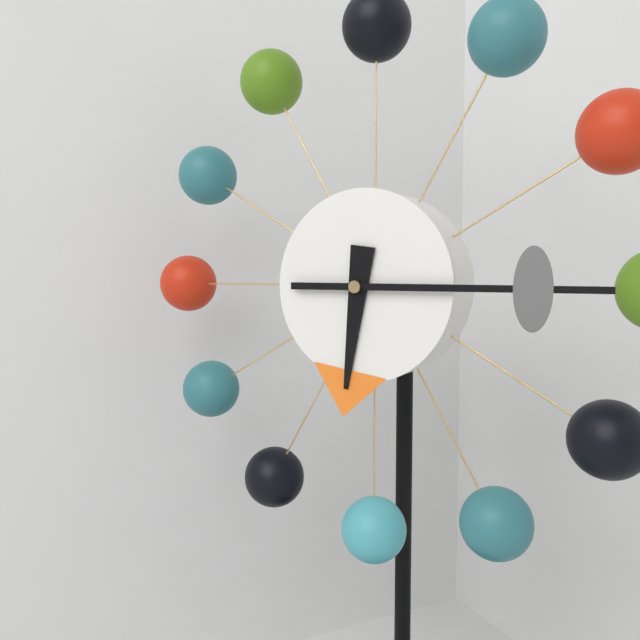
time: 6:15
